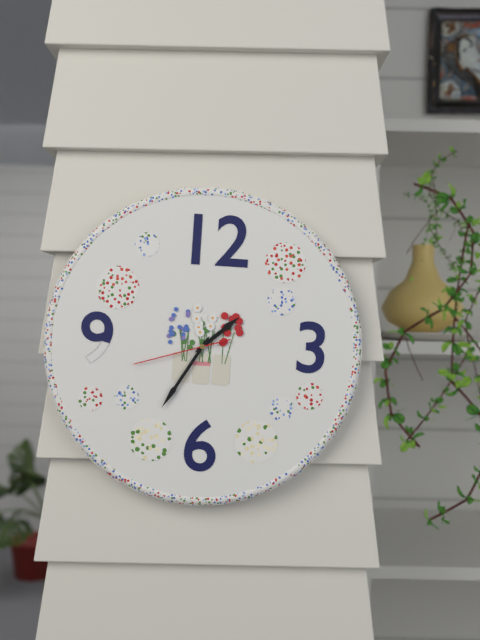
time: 1:35:42
